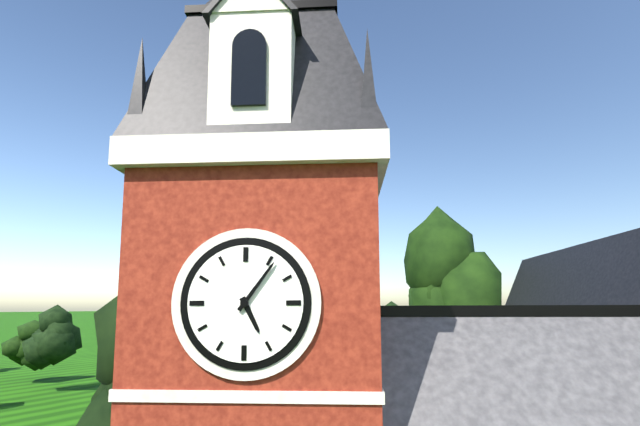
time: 5:06
